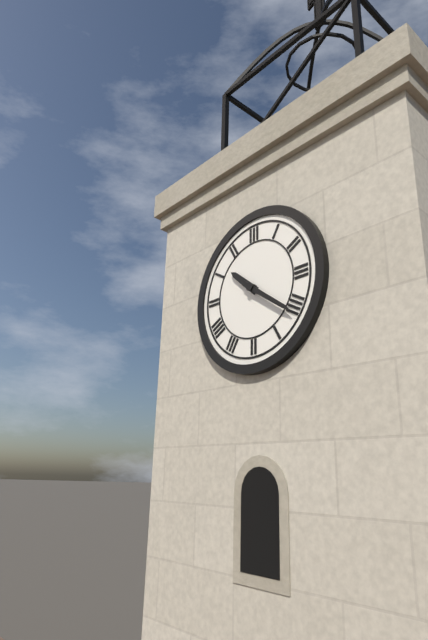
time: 10:21
